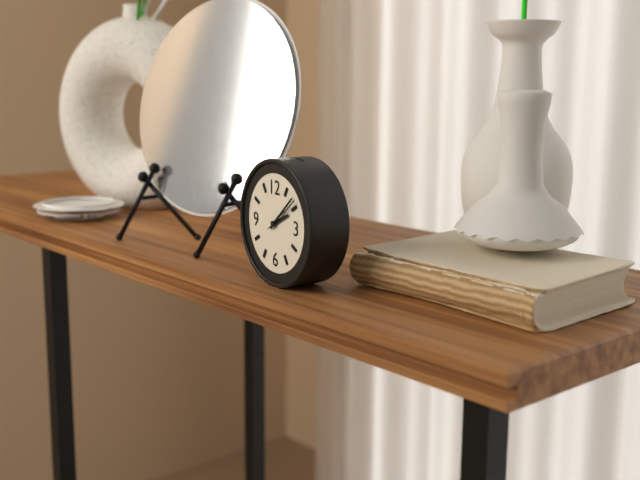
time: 2:08
